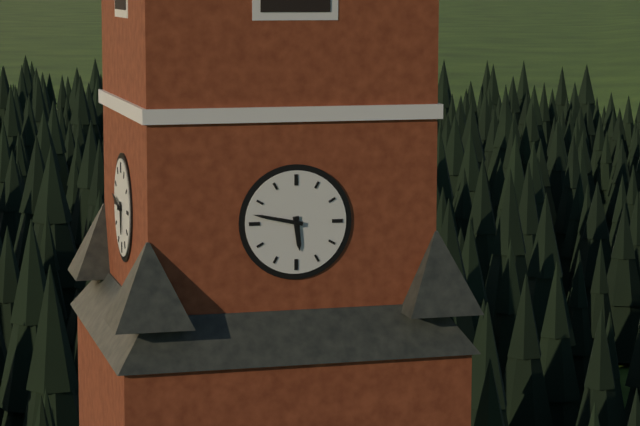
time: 5:47
